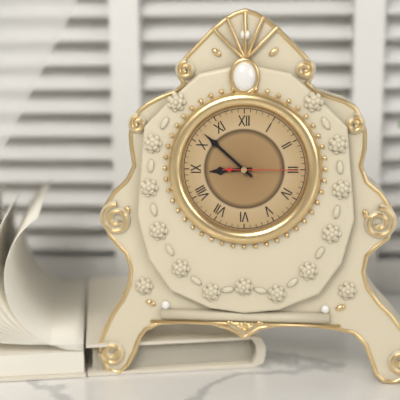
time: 8:52:15
